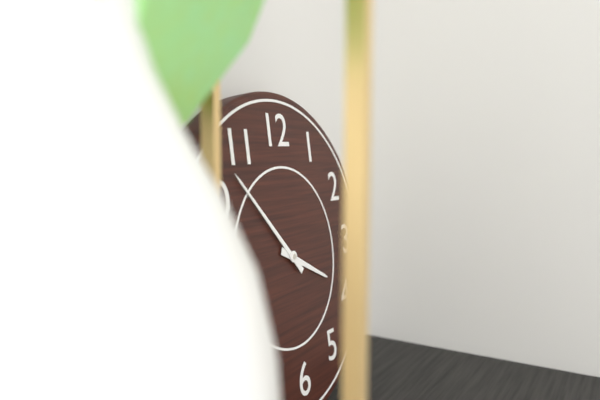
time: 3:53
